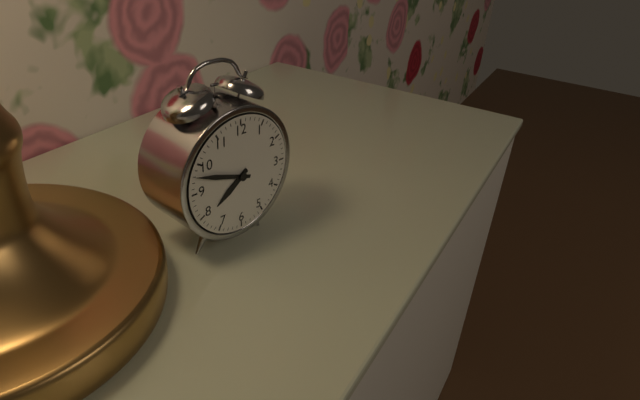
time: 7:48
